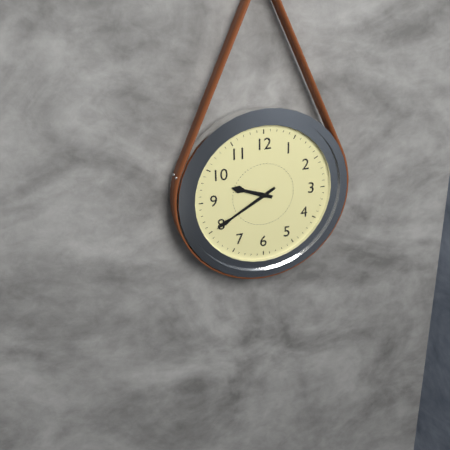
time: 9:40
